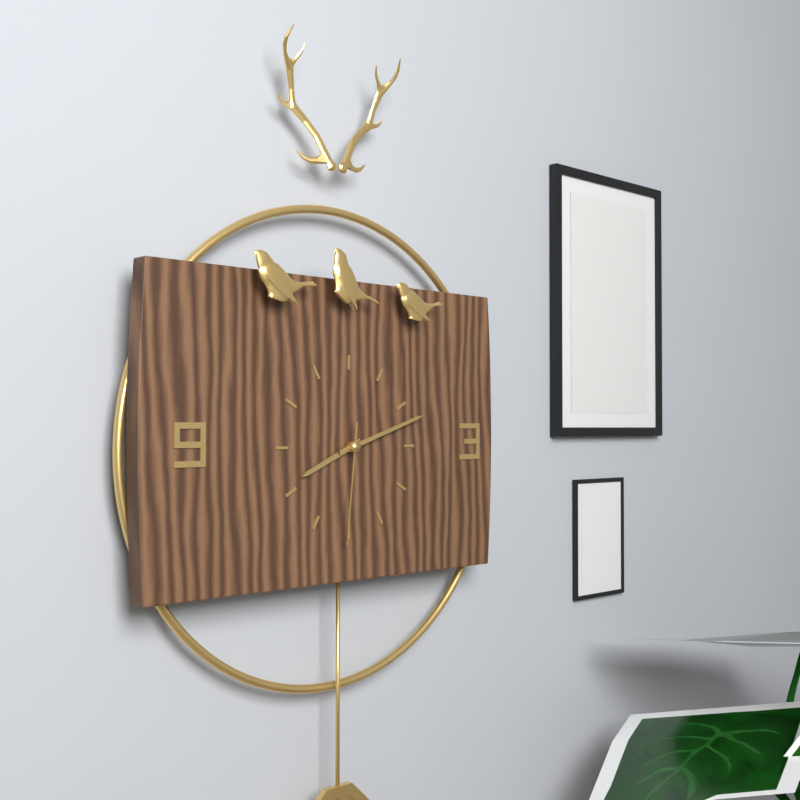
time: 8:12:31
